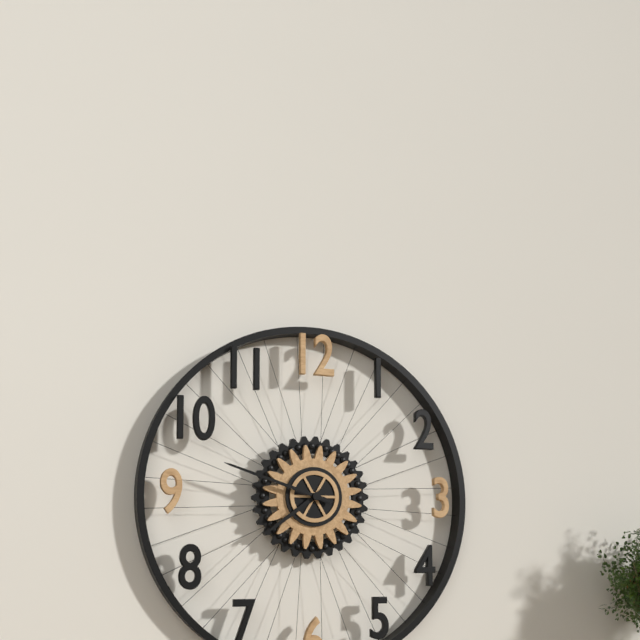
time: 7:48
